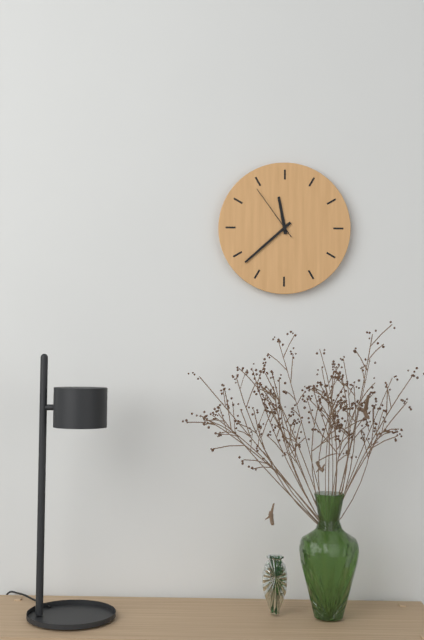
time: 11:38:54
